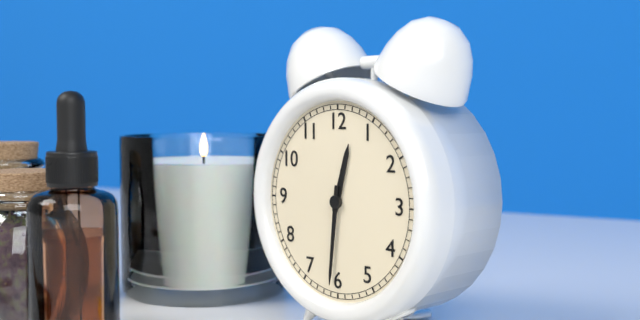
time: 12:31
